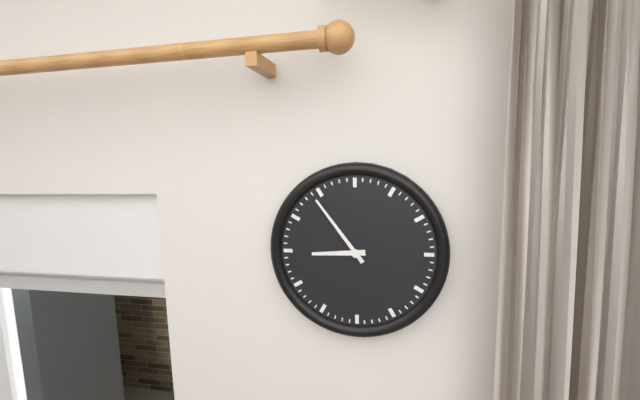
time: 8:54
